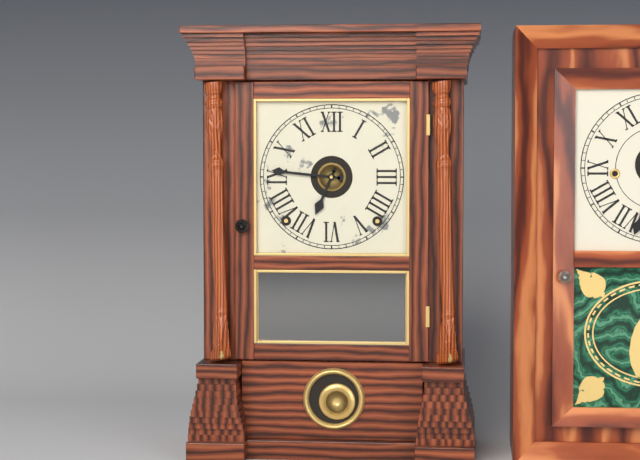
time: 6:46
